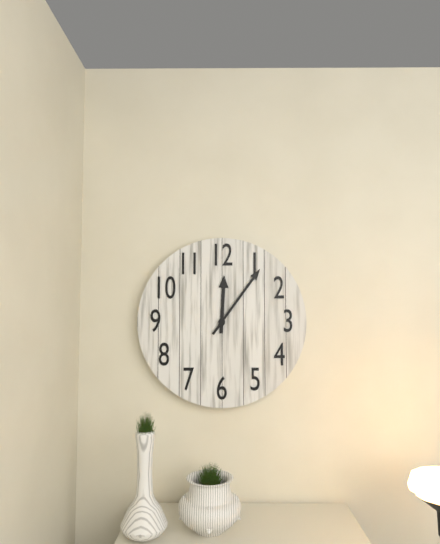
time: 12:06
